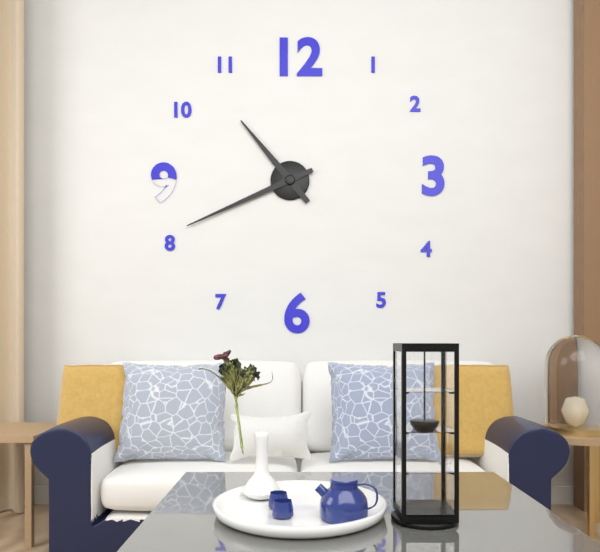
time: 10:41
